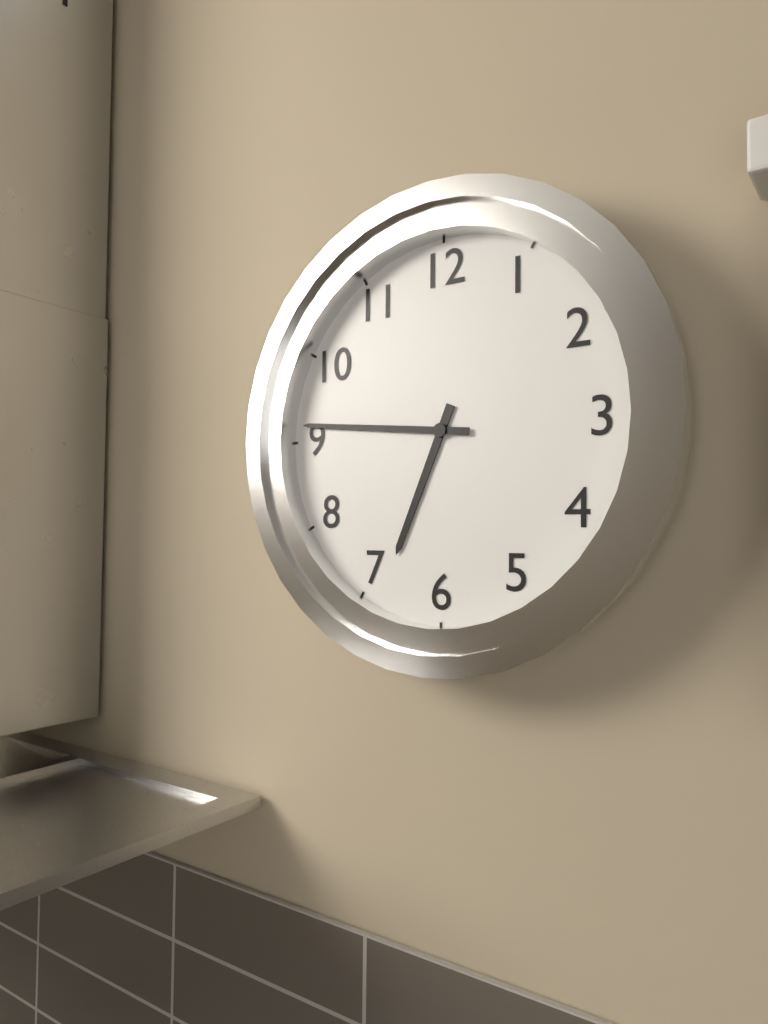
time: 6:46
